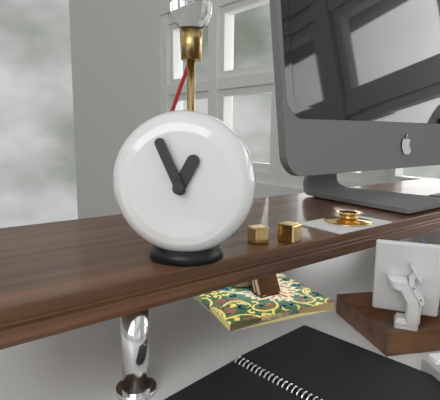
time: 12:56
